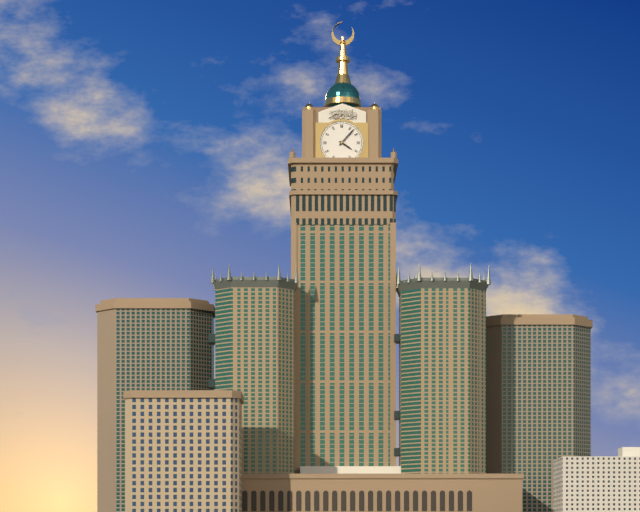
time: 4:07
